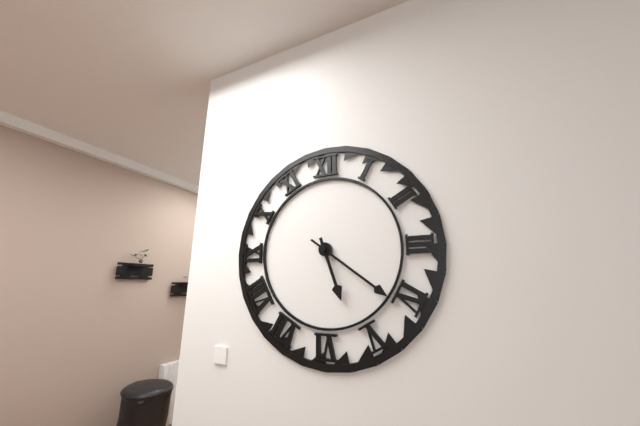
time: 5:21
